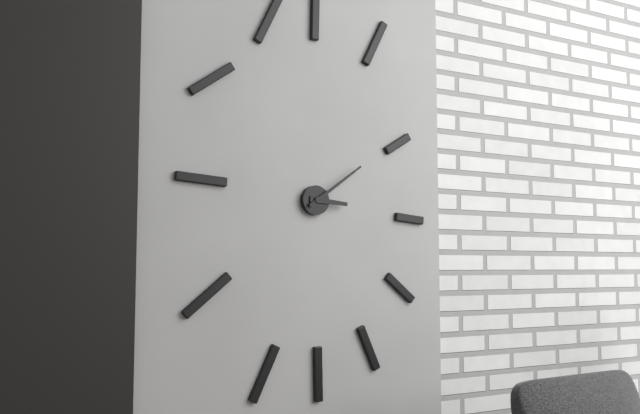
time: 3:09
